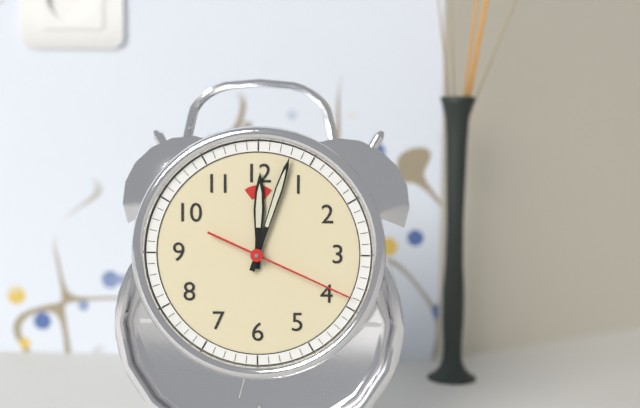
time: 12:03:19
